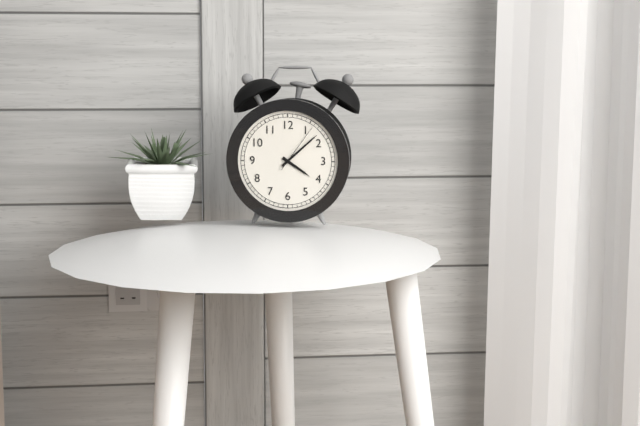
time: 4:08:06
